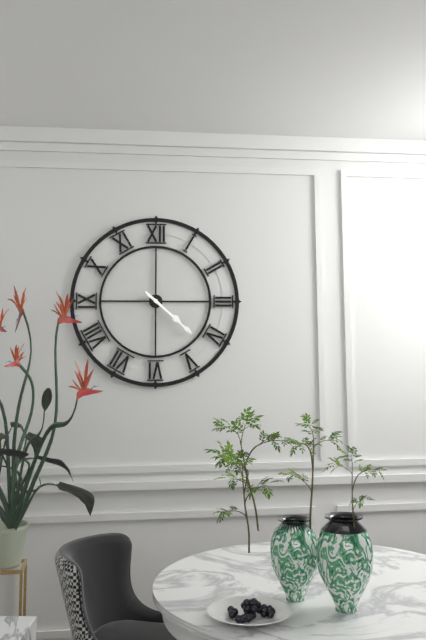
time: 4:22
